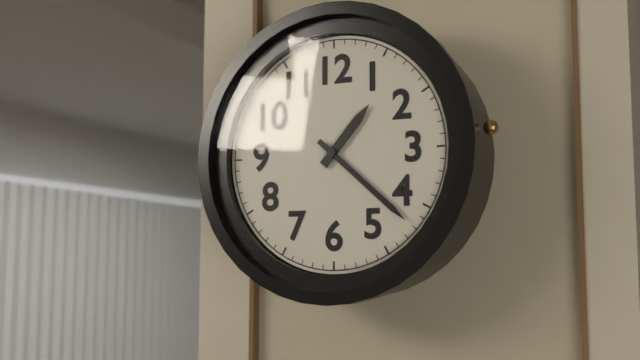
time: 1:22
